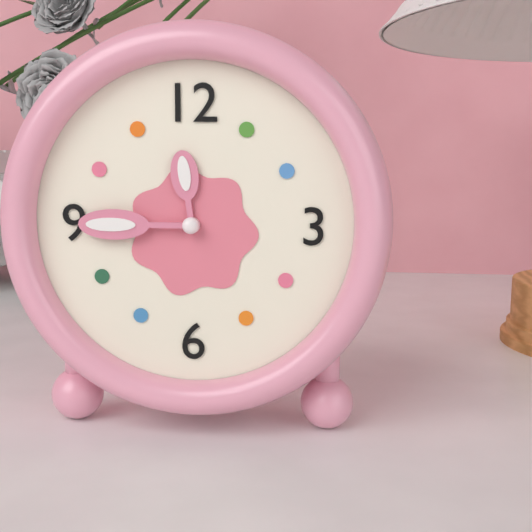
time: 11:45
